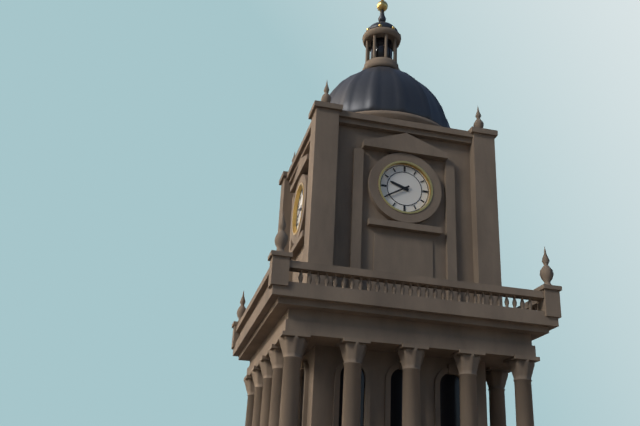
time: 9:40
